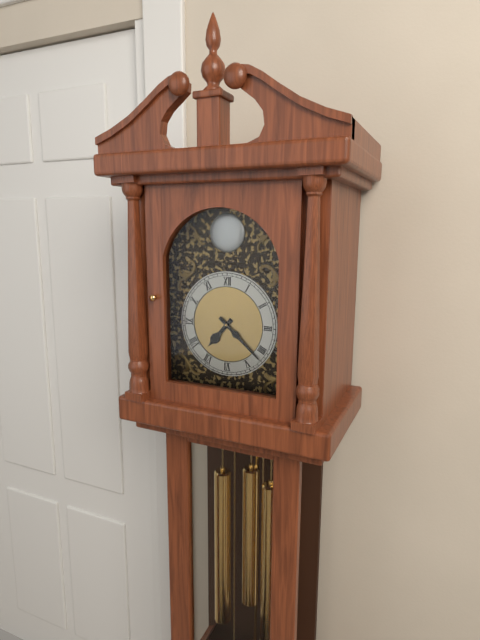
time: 7:22
